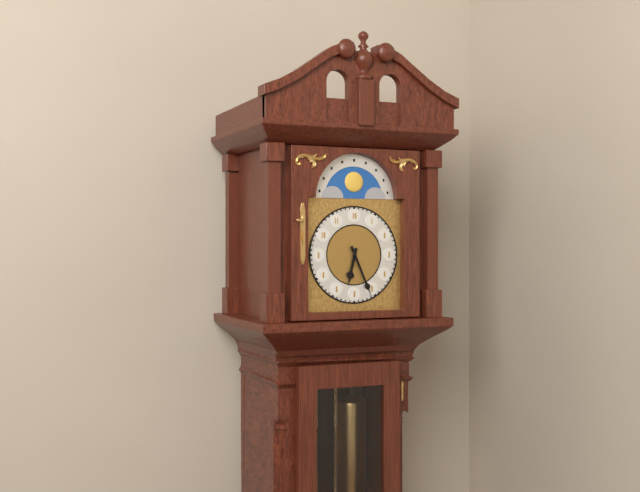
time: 6:26
